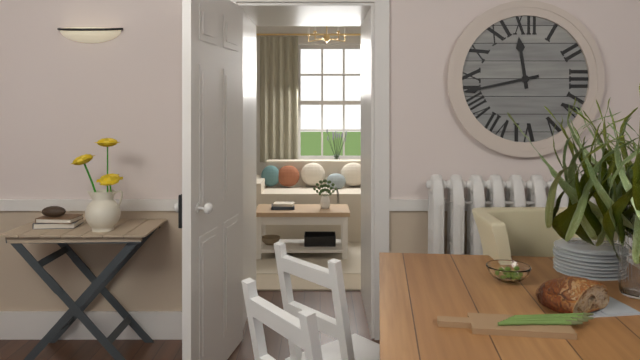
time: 11:43
